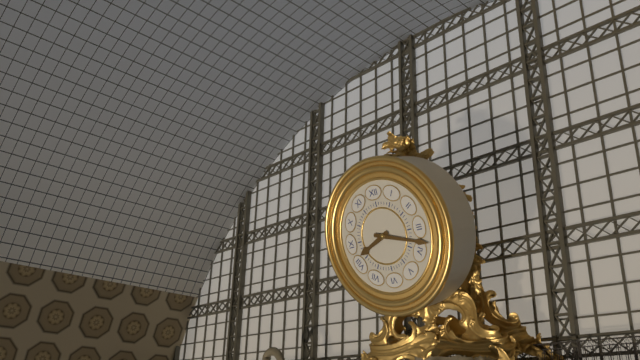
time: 8:18
